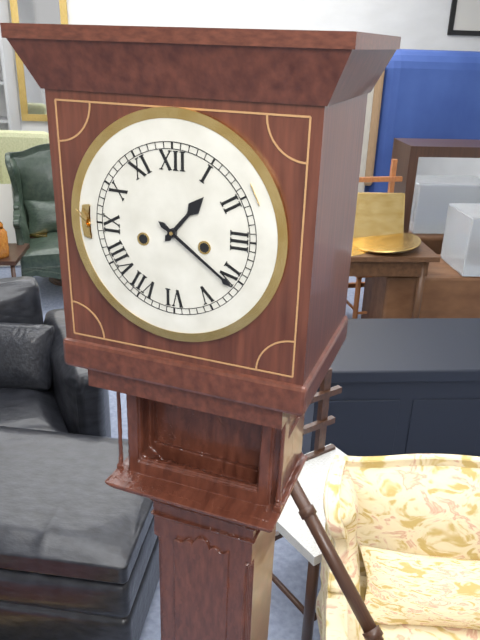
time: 1:21
